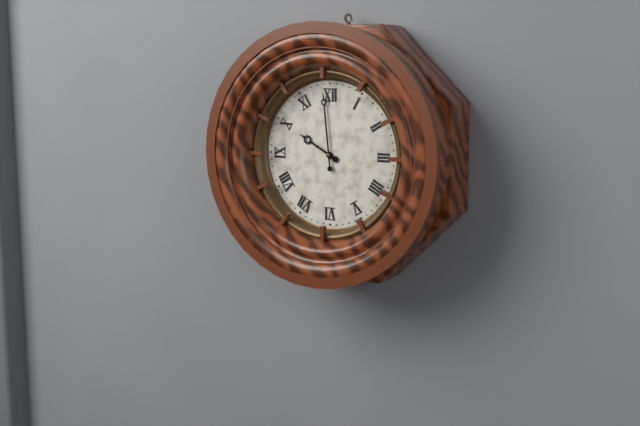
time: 9:59
